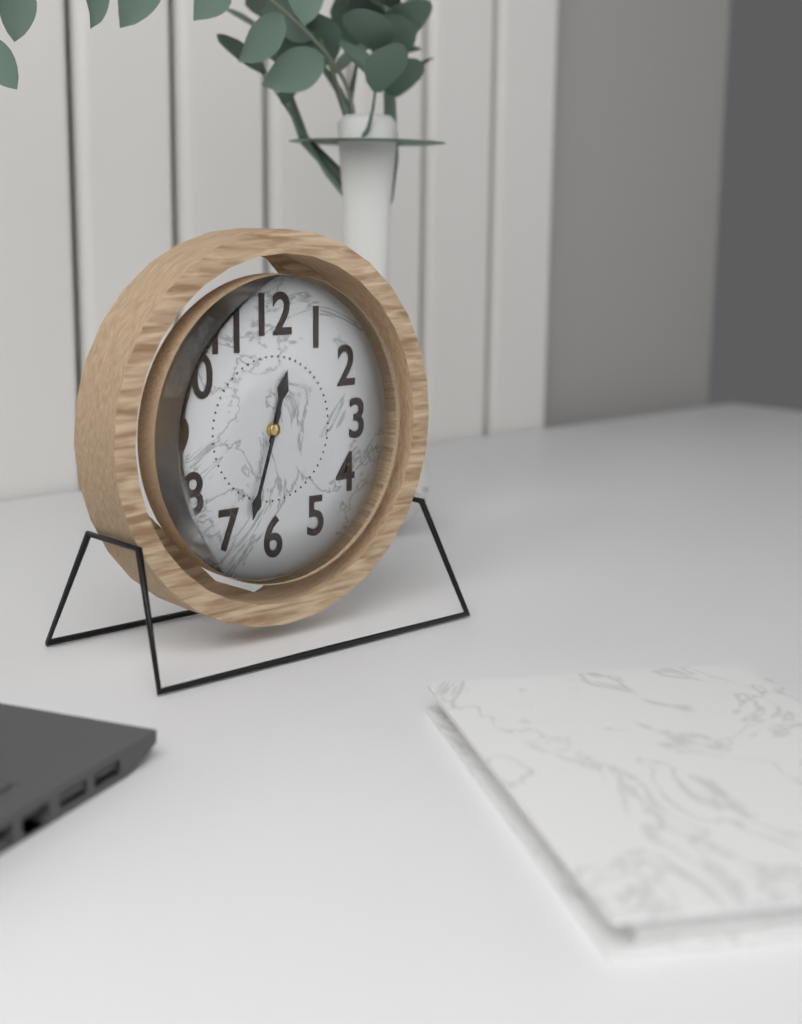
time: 12:33
